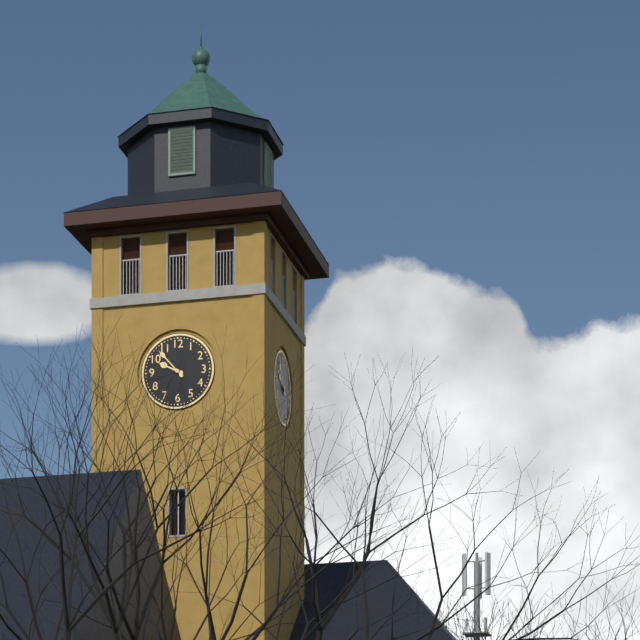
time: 9:53
